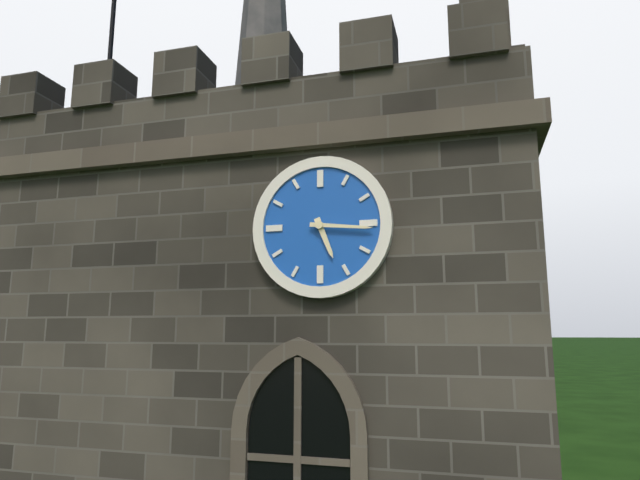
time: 5:16
